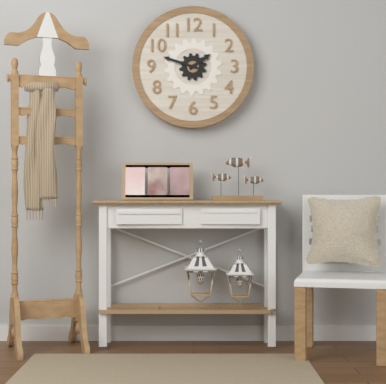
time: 1:48
